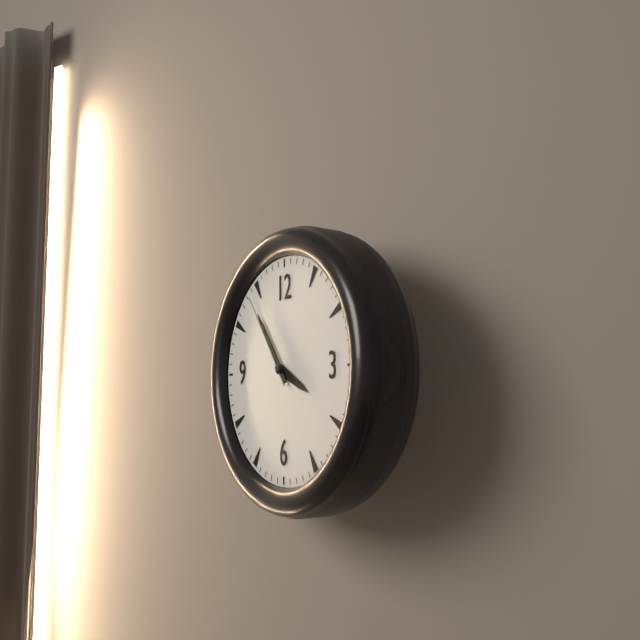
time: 3:54:54
